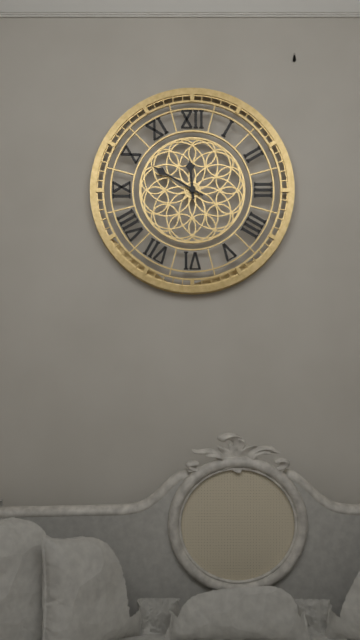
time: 11:50
